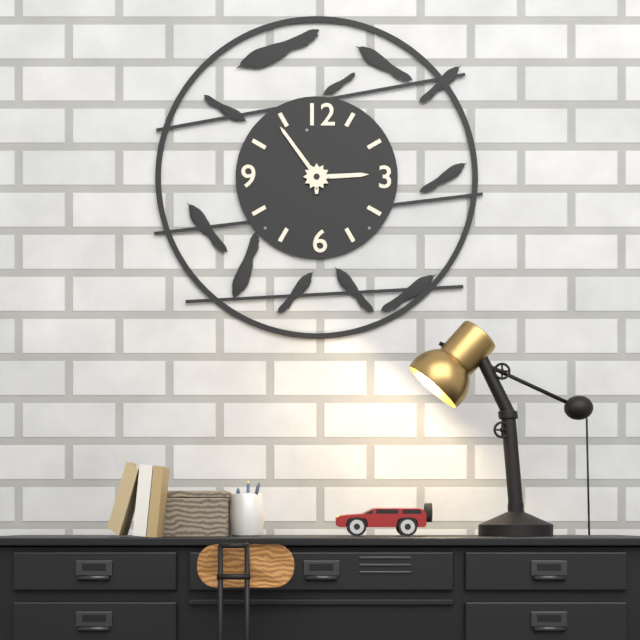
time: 2:54
